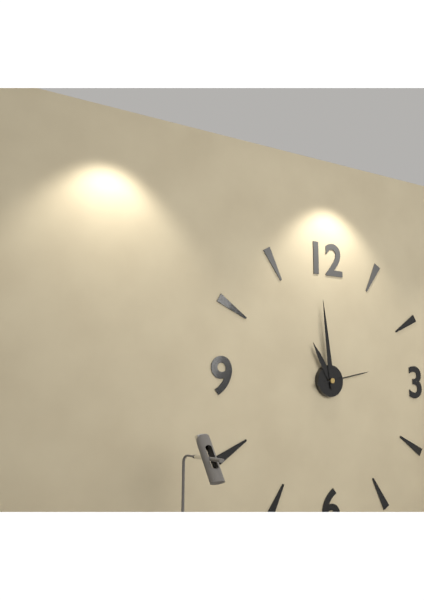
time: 10:59:13
